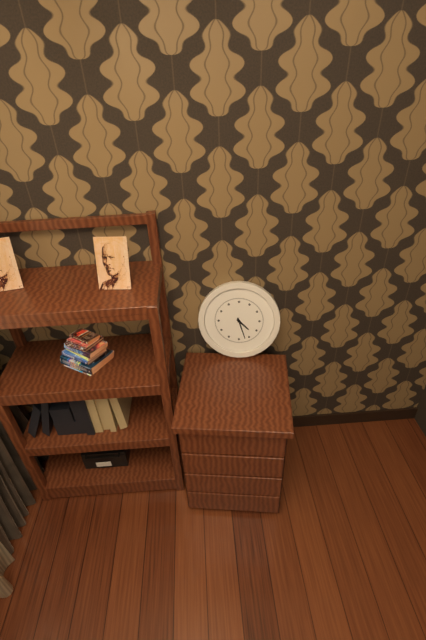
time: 4:27
